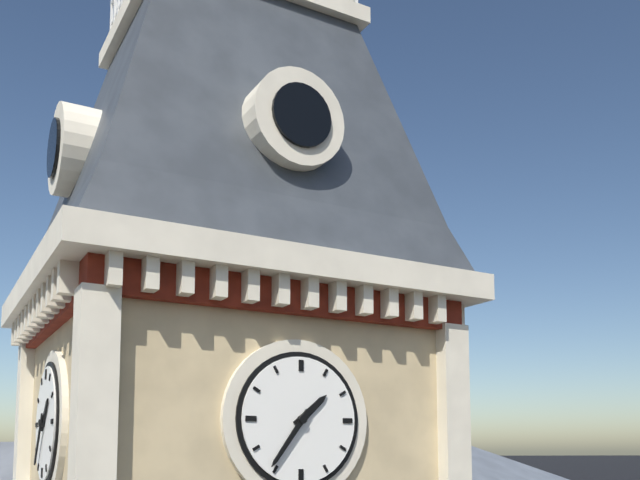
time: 1:36
